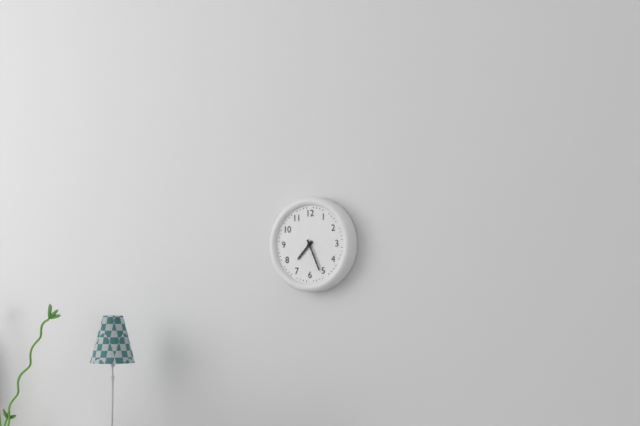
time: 7:26
